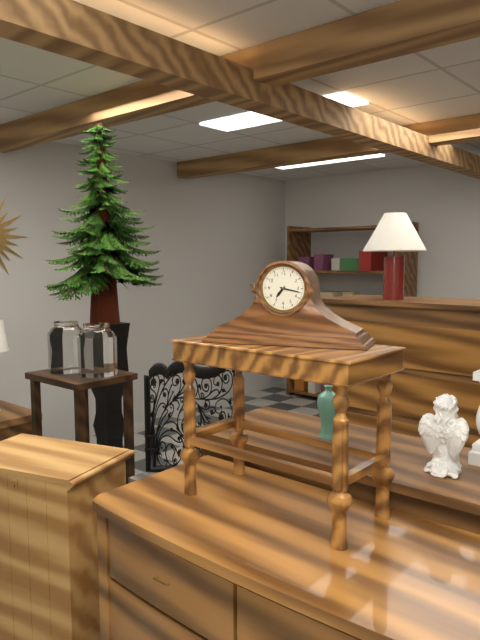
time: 7:17
